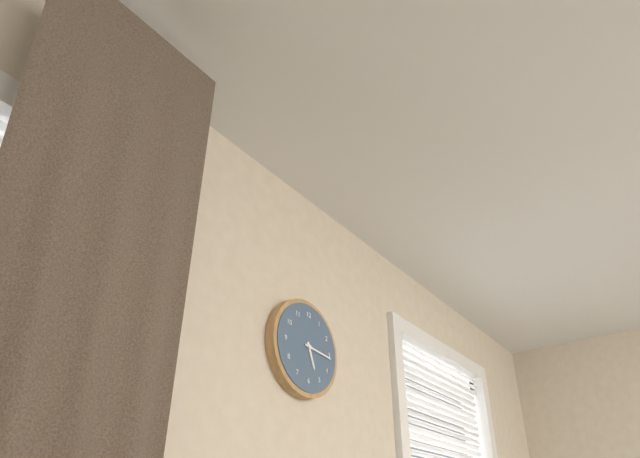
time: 5:16
